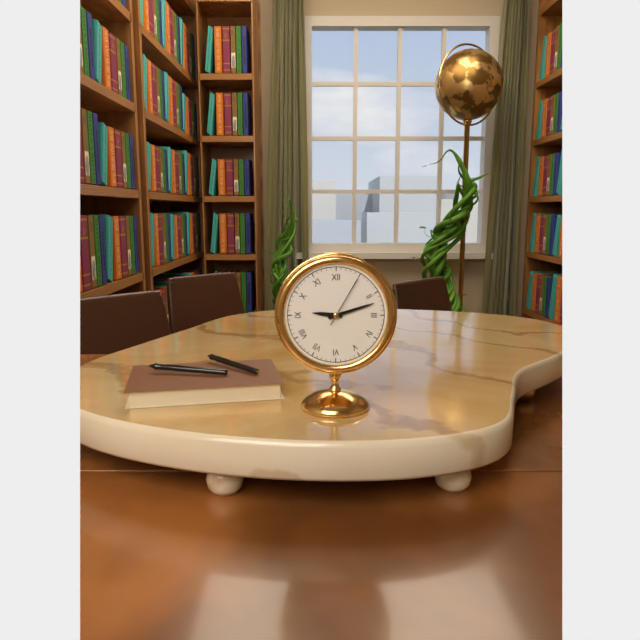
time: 9:12:05
